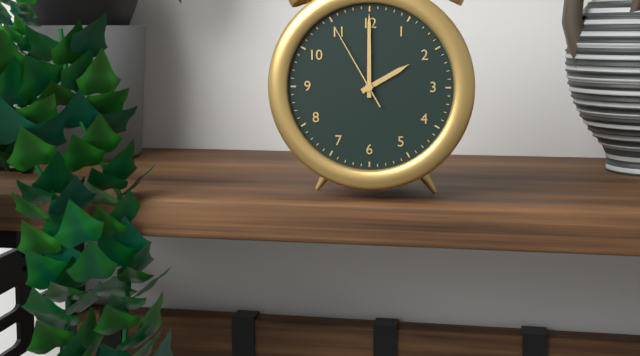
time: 2:00:55
